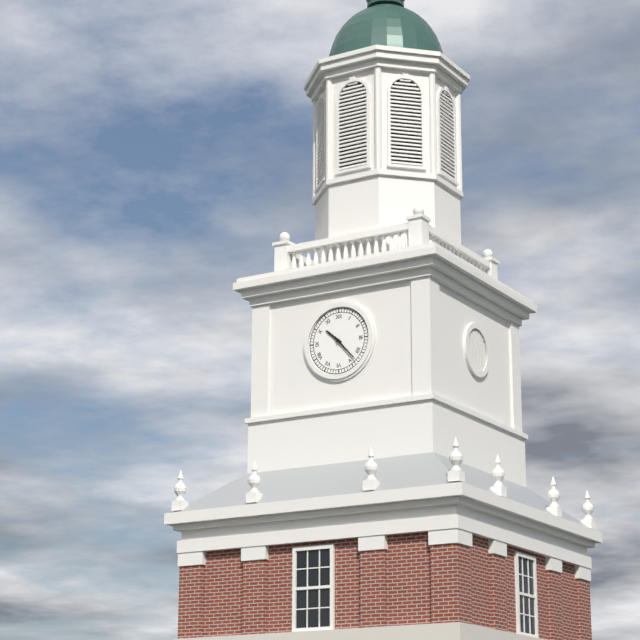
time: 10:23
